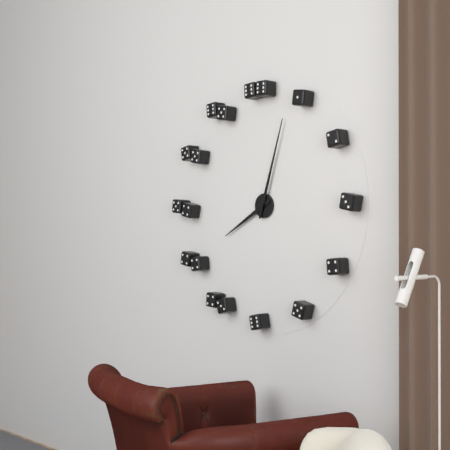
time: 8:03
